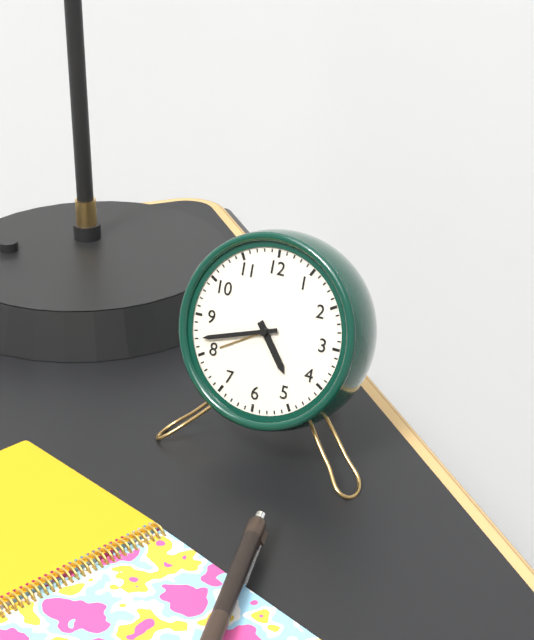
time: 4:42
